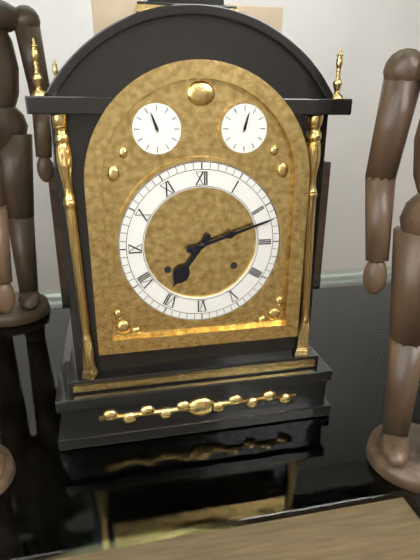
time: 7:12
